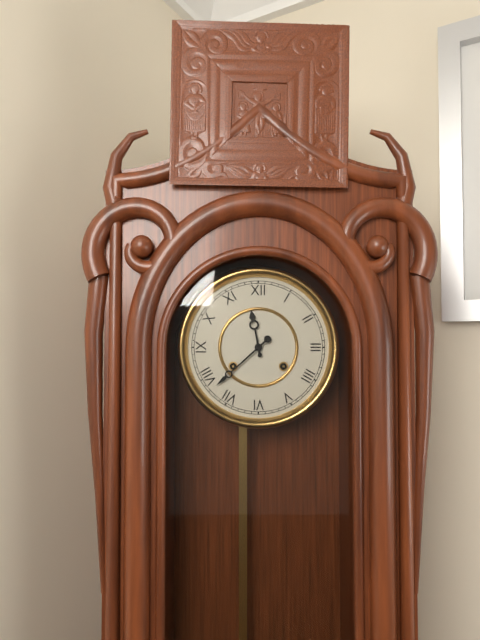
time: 11:38
